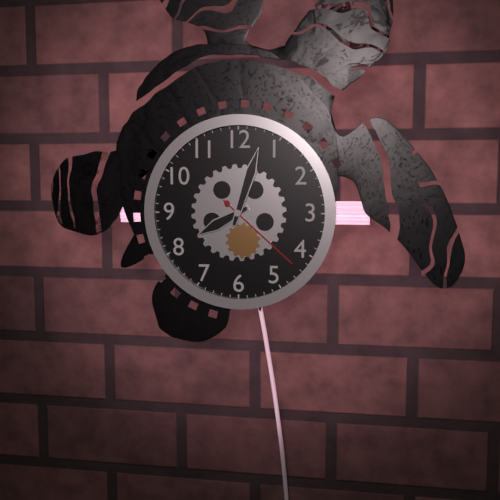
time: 8:03:22
